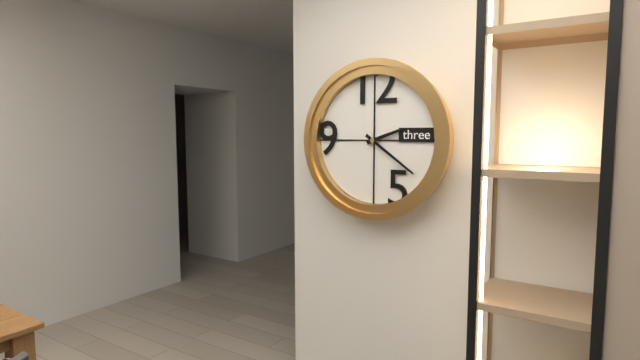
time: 2:21
